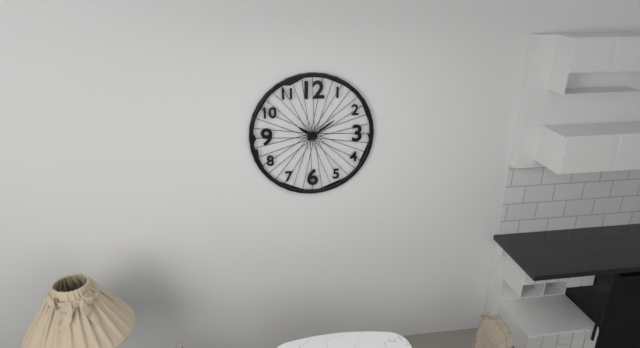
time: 10:09
